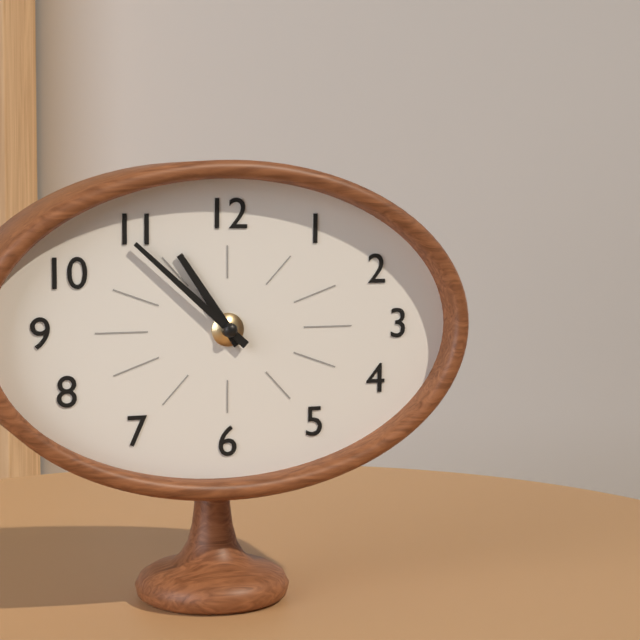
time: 10:52
